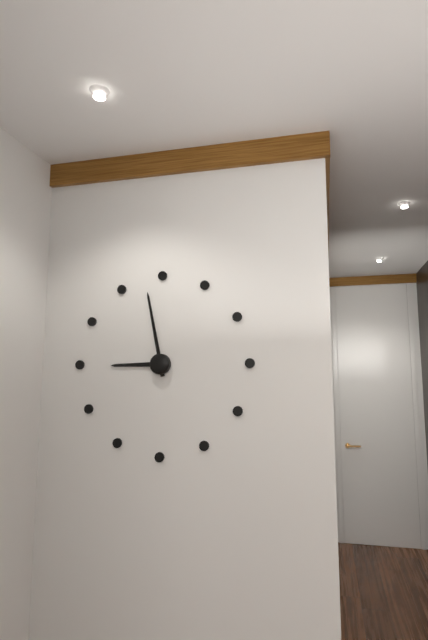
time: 8:58
